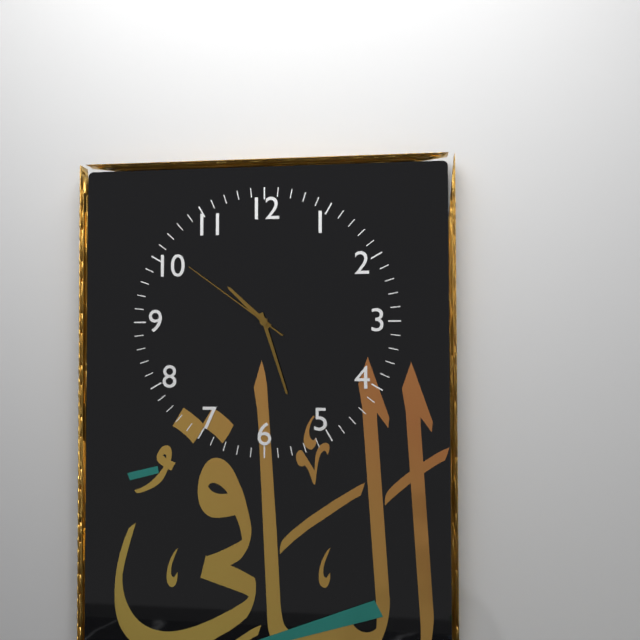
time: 10:27:51
